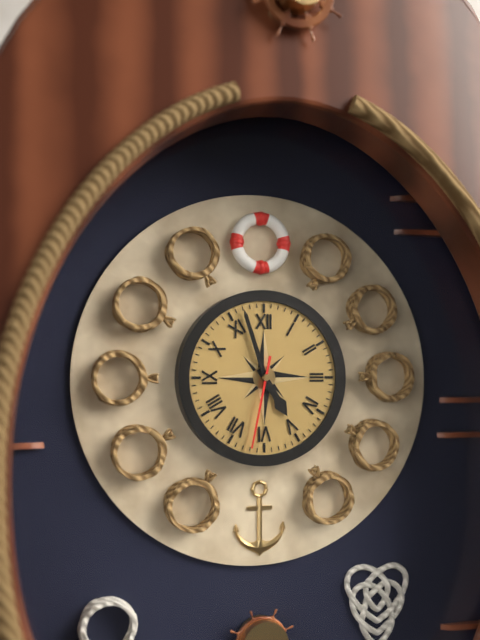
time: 4:57:32
